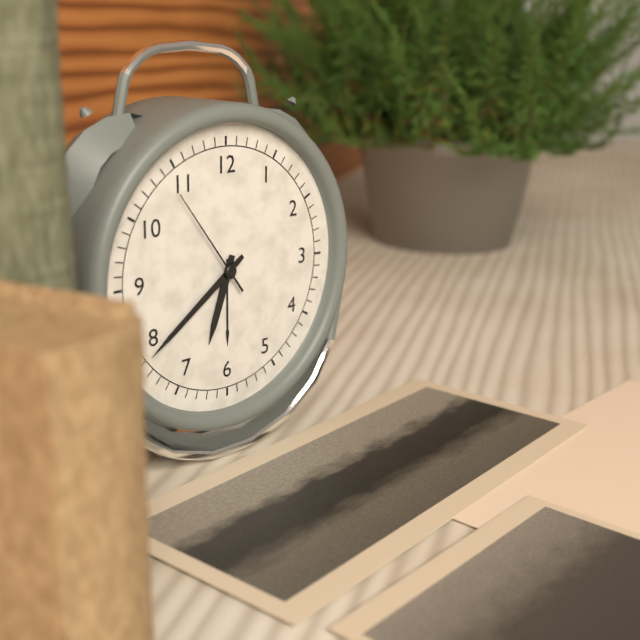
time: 6:39:54
